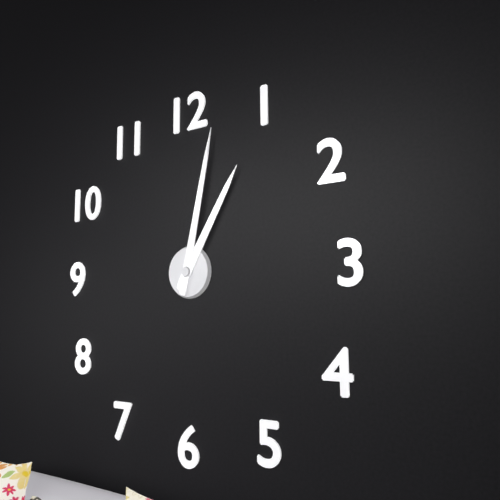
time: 1:02
